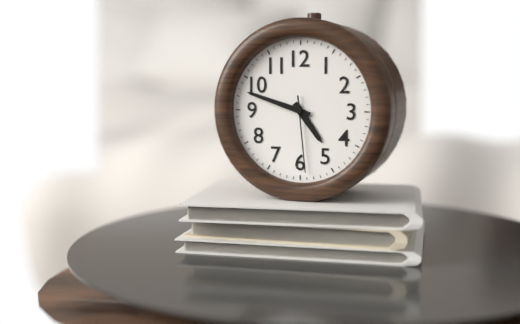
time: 4:48:29
